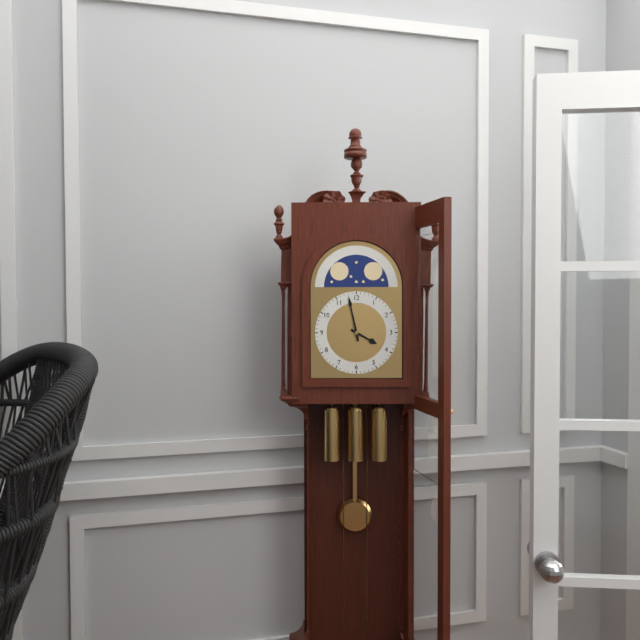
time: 3:58
